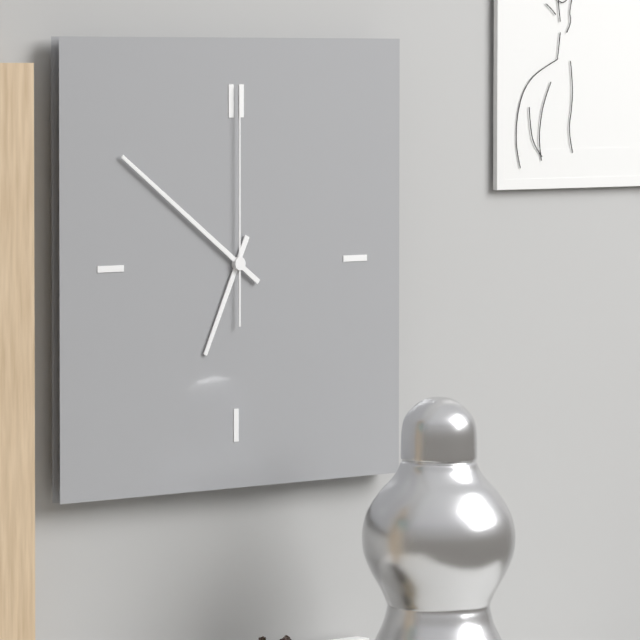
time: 6:51:00
